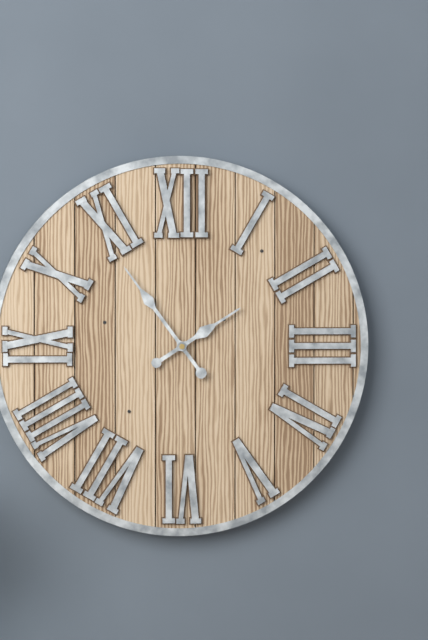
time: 1:54
